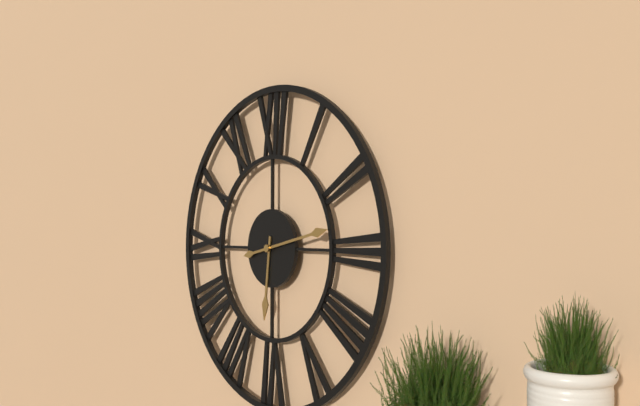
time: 6:13
